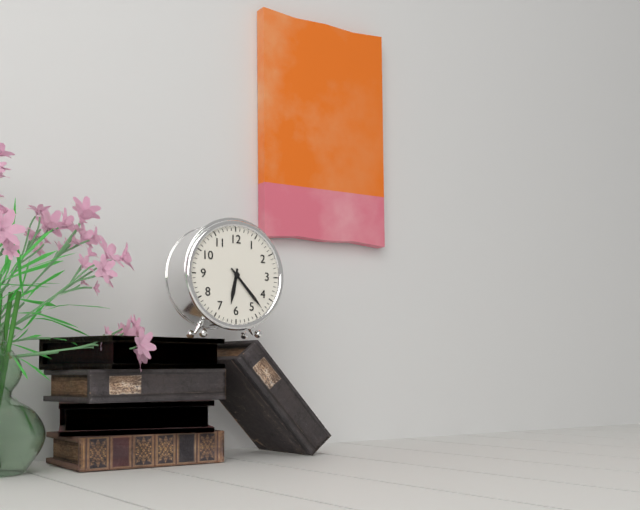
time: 6:23
